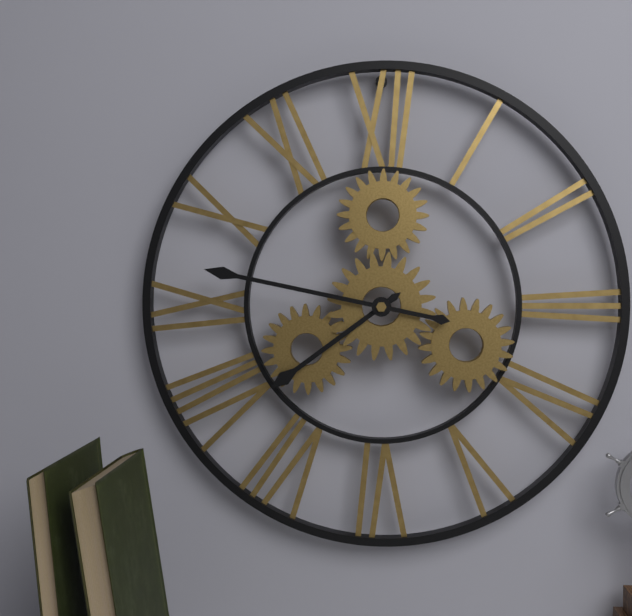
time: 7:47
